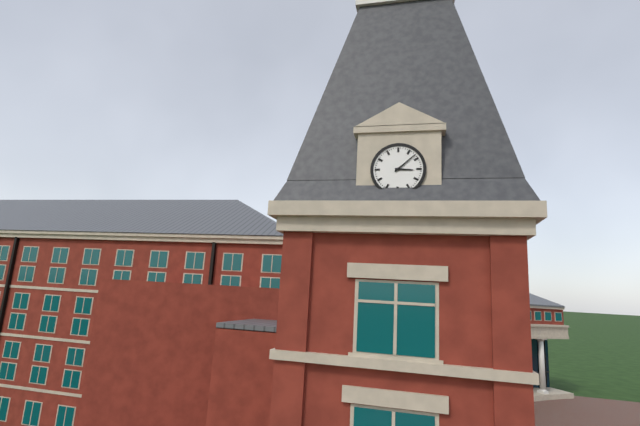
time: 3:08
